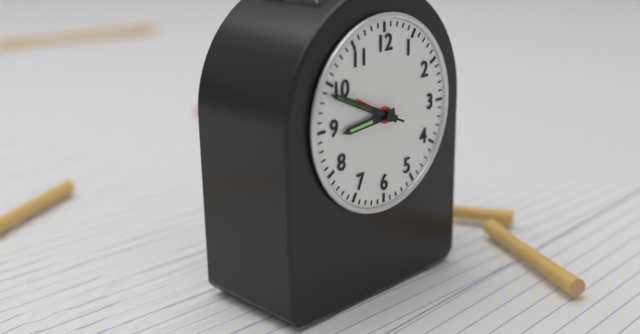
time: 8:49:49
